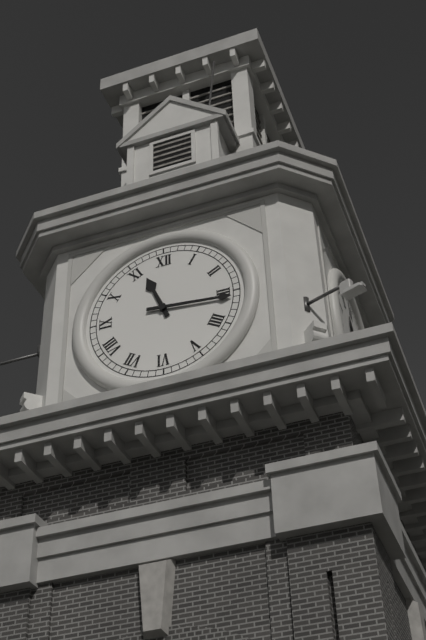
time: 11:16
